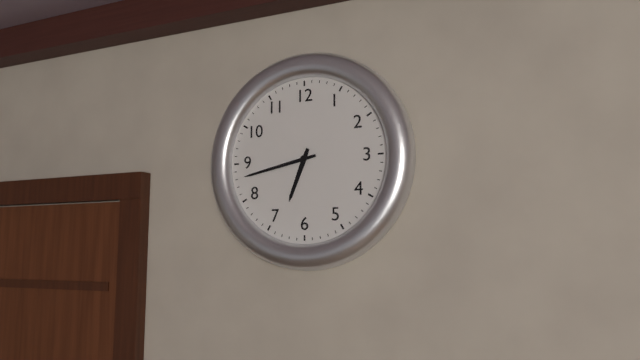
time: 6:43
